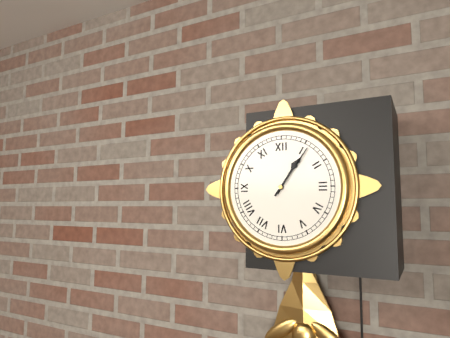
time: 1:06
